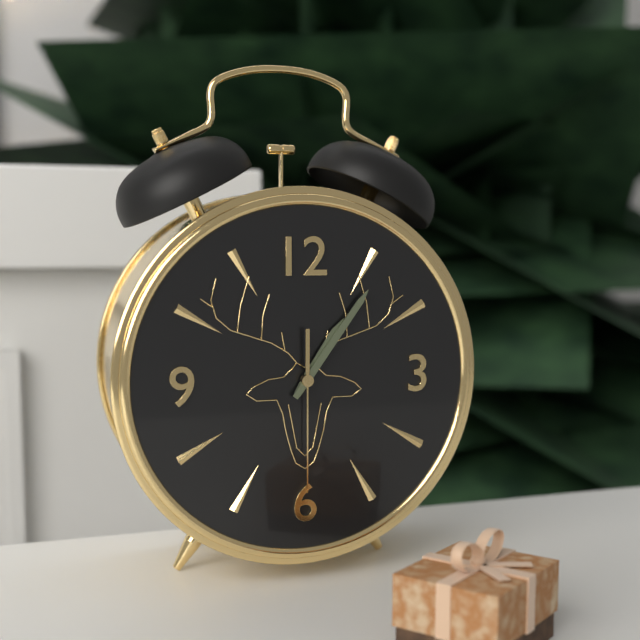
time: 1:06:30
